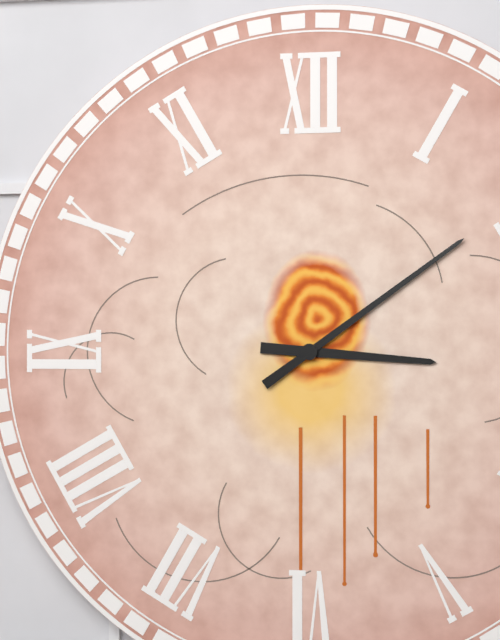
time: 3:09
